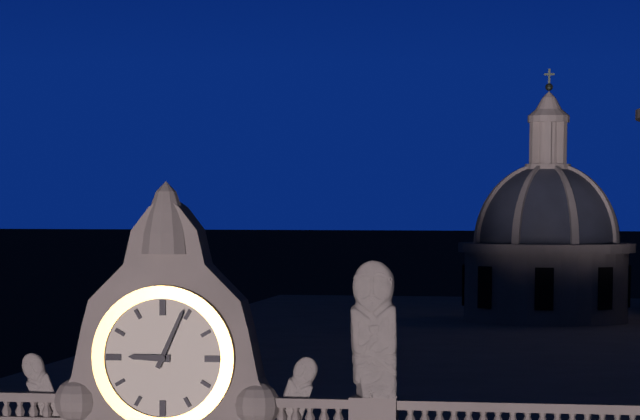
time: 9:04
